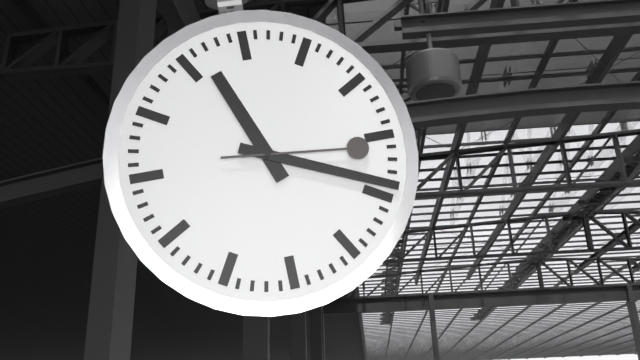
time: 11:19:16
